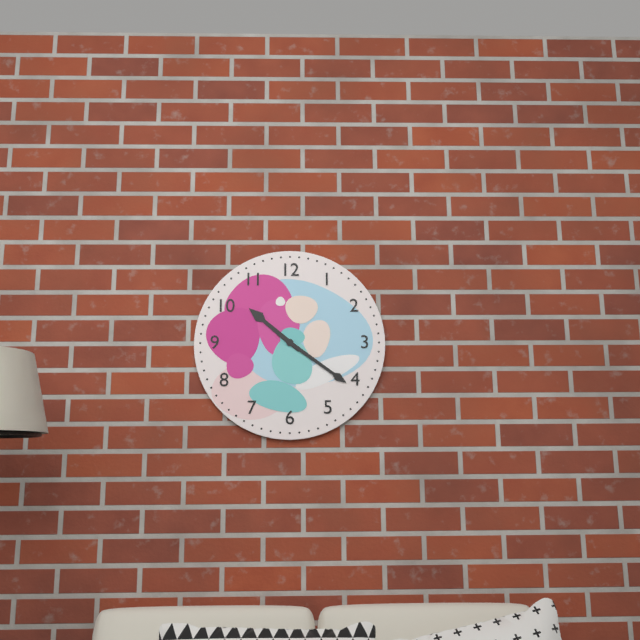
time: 10:21
